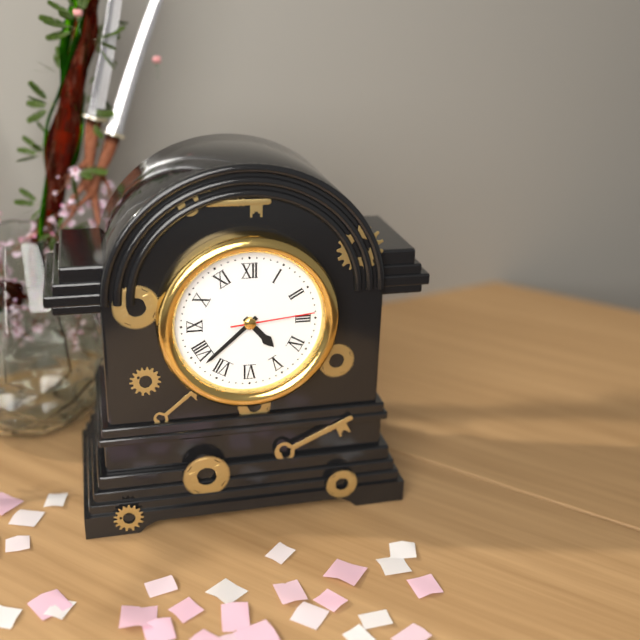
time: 4:38:14
